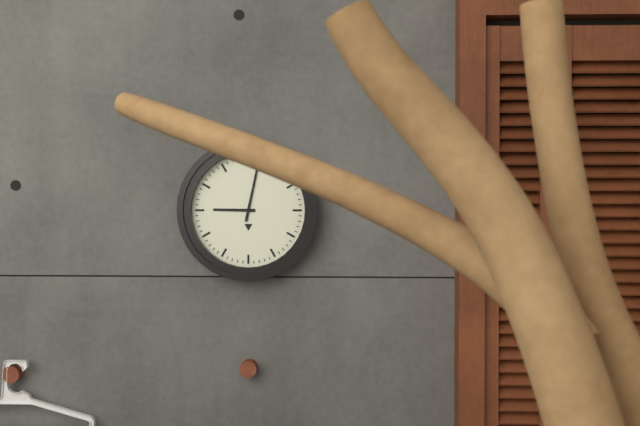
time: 9:02
